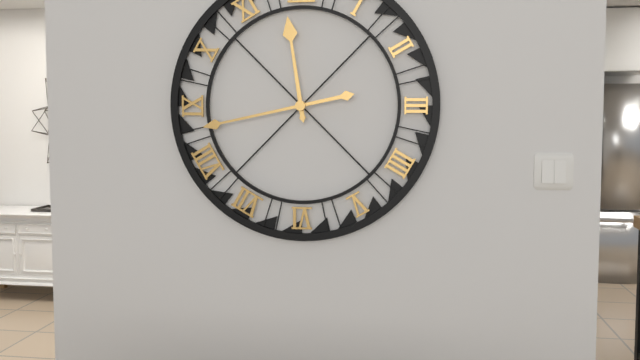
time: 11:43
